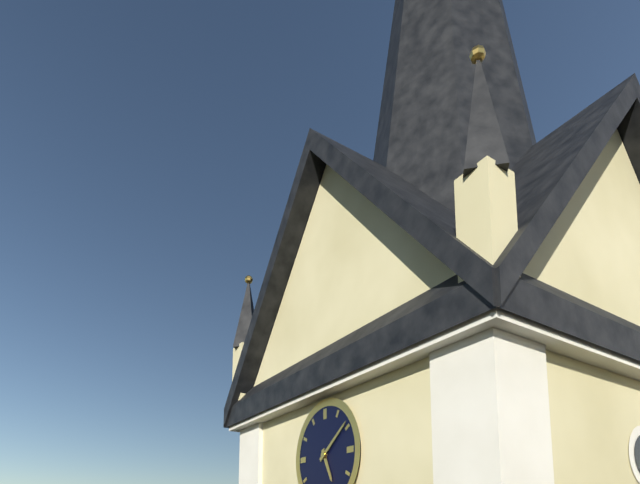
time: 5:09
